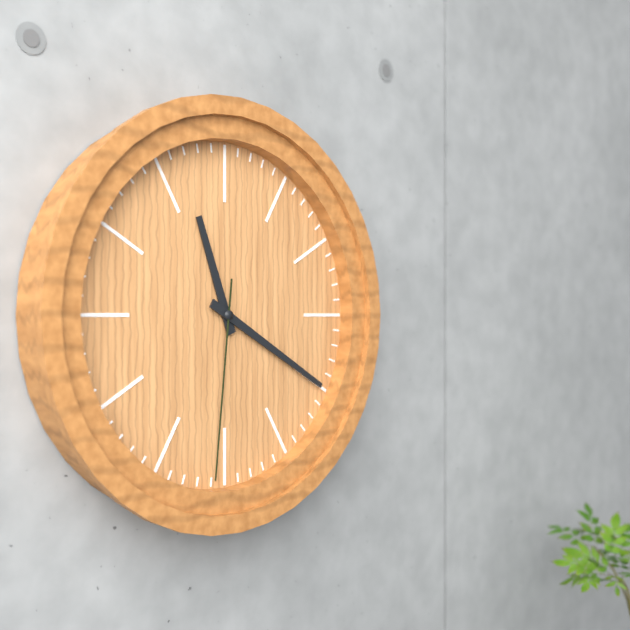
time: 11:20:31
